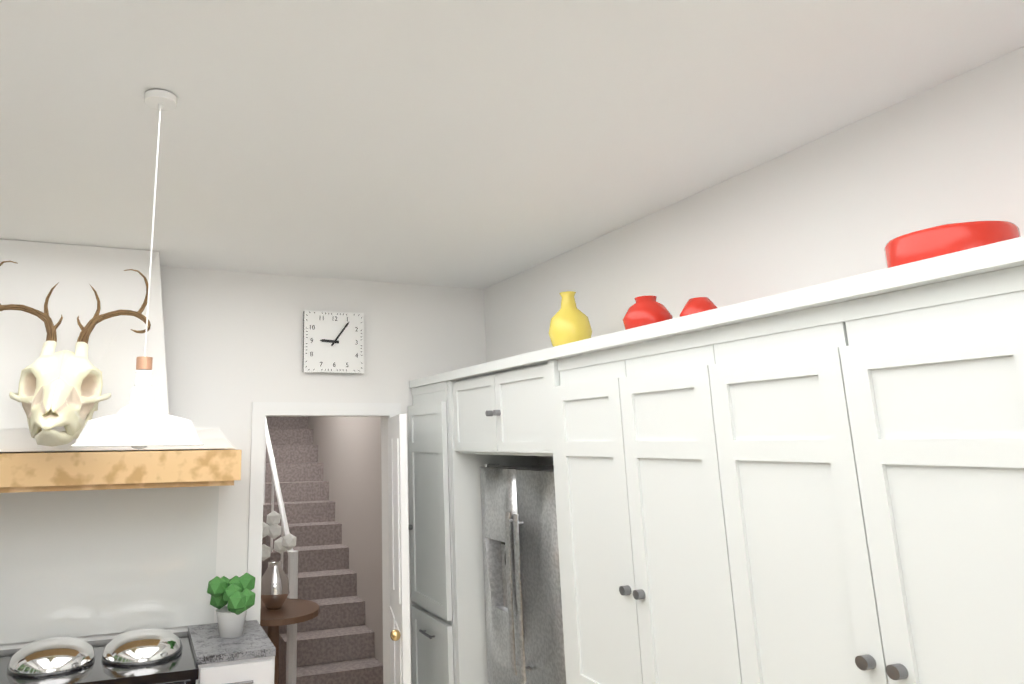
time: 9:06
